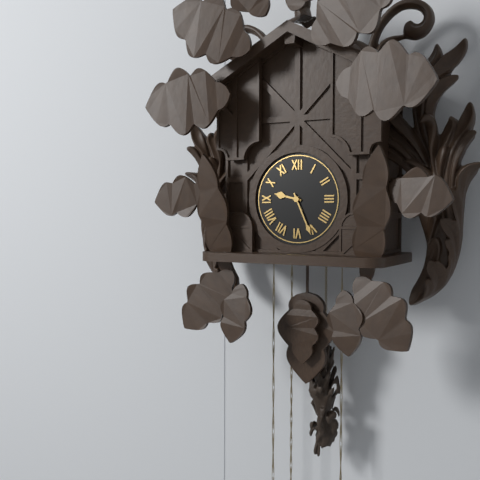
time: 9:26
